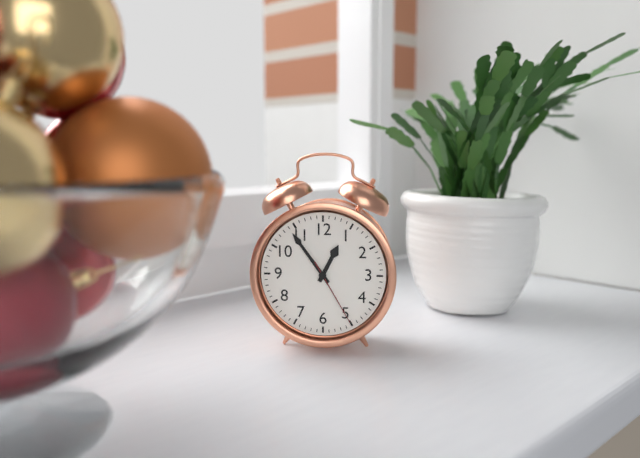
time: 12:54:25
